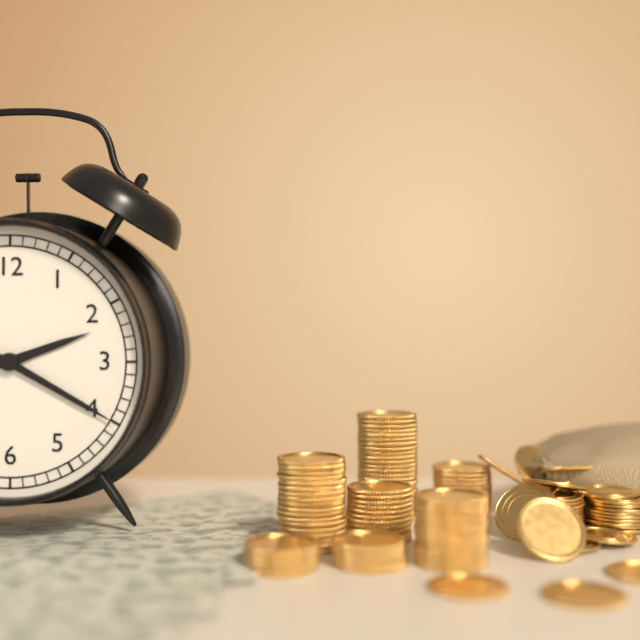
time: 2:20
